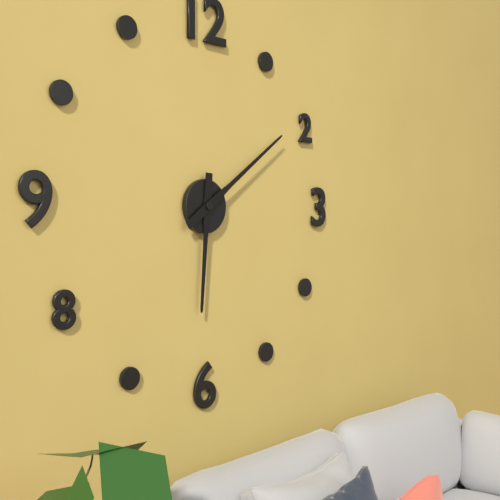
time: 6:09
